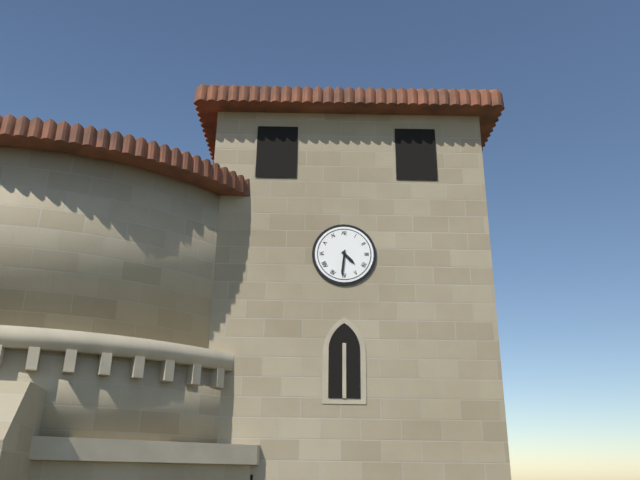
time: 4:31
